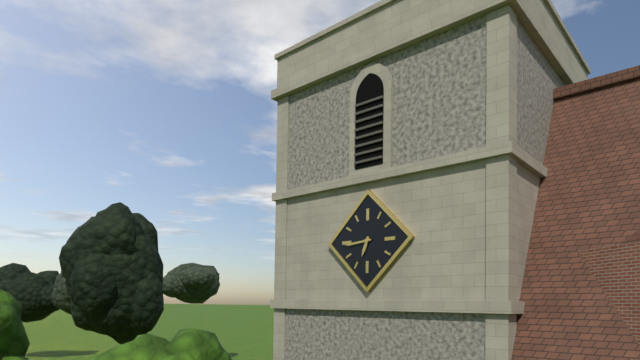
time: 6:44
